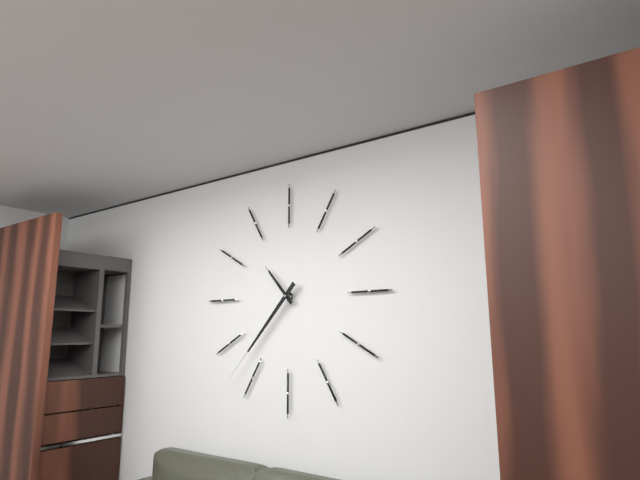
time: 10:37
